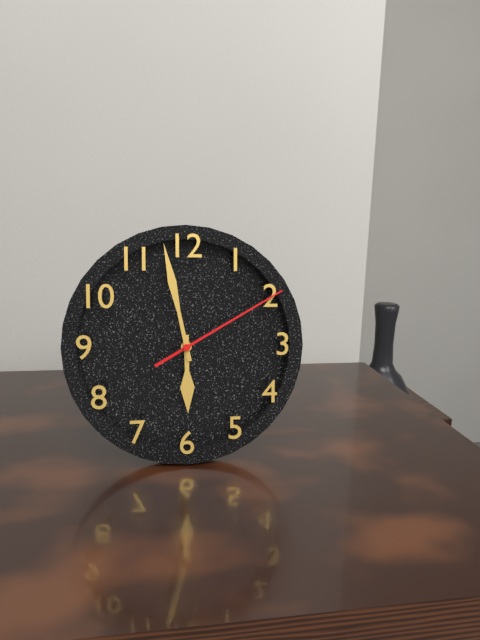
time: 5:58:10
